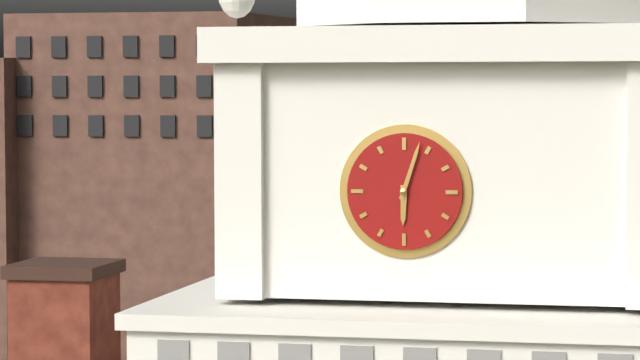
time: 6:03
